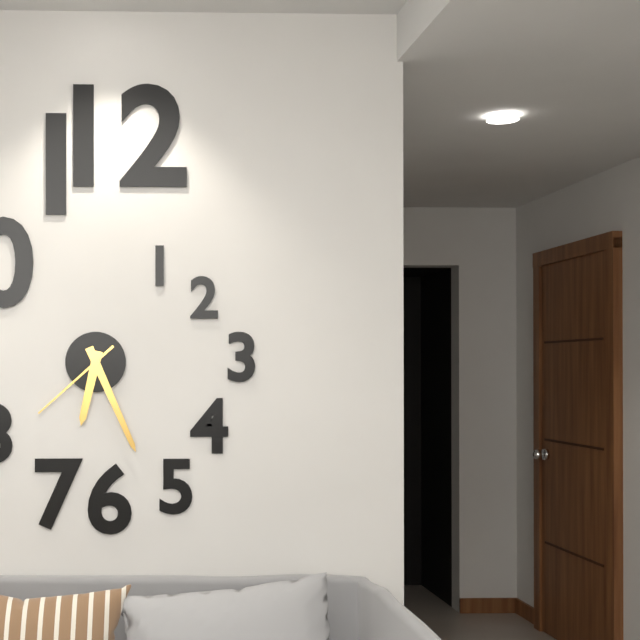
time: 6:26:38
